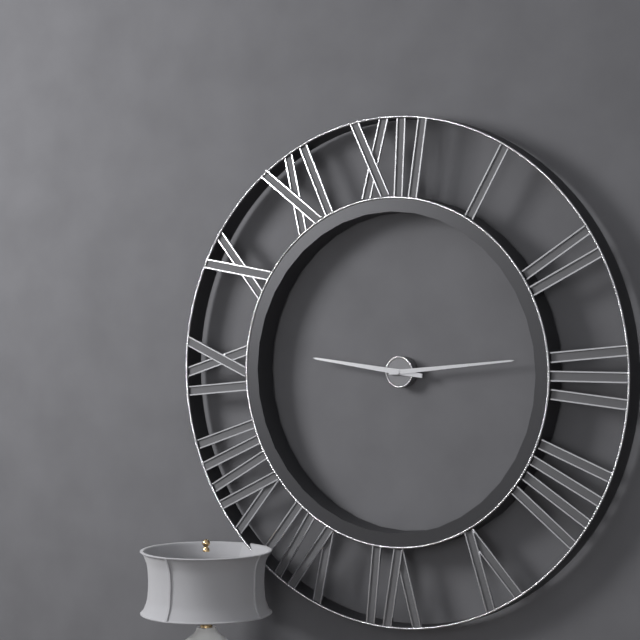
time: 9:14
